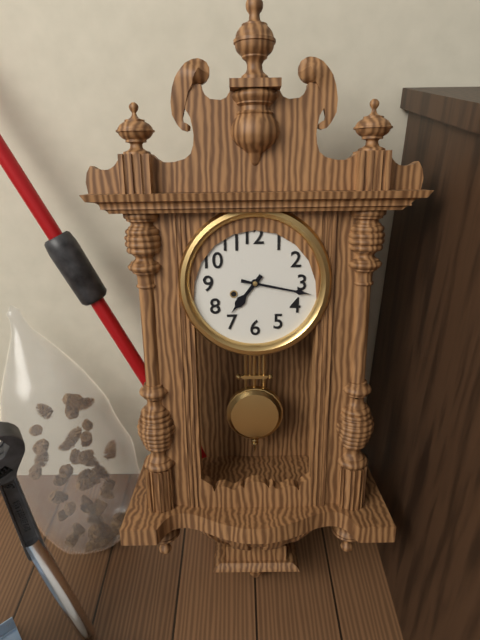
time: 7:17
